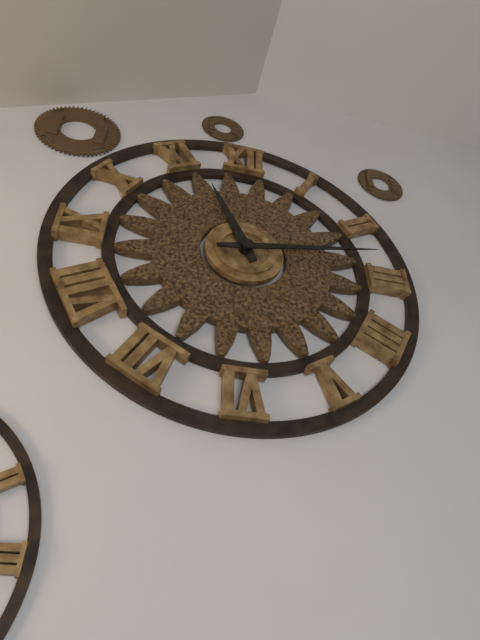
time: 11:13
